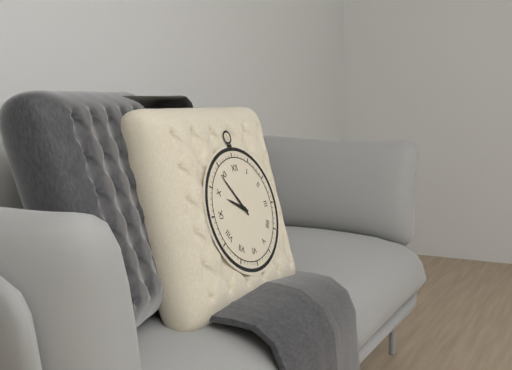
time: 9:54
